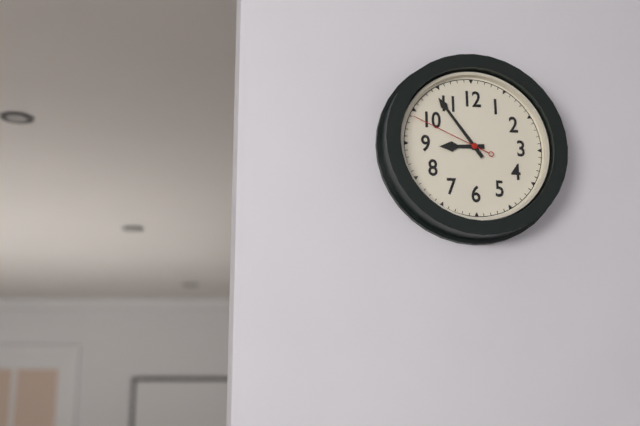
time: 8:54:49
